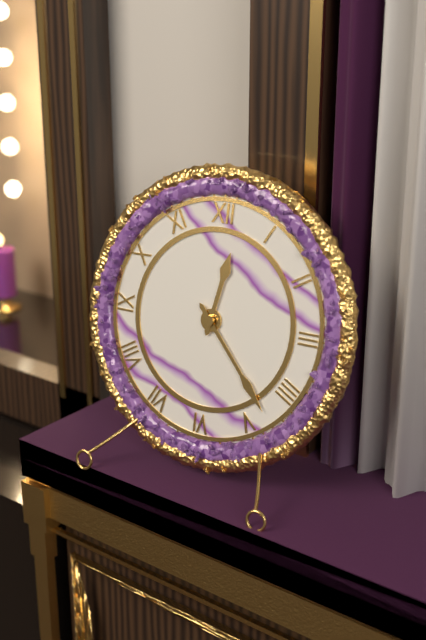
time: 12:23
